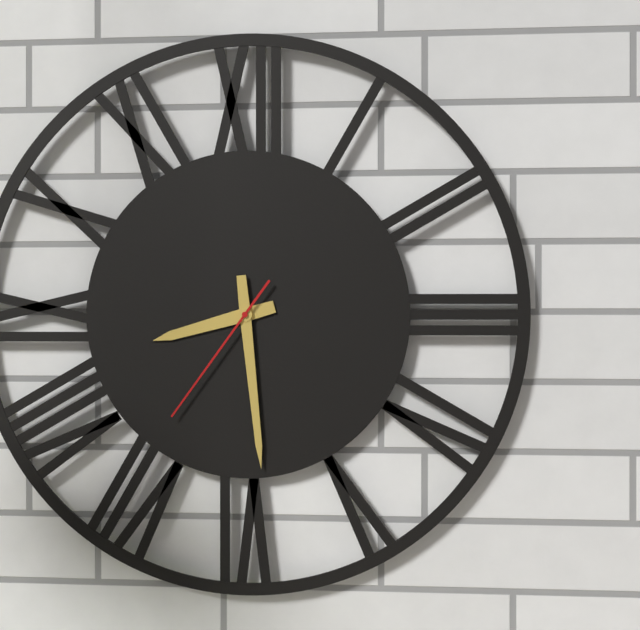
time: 8:29:36
